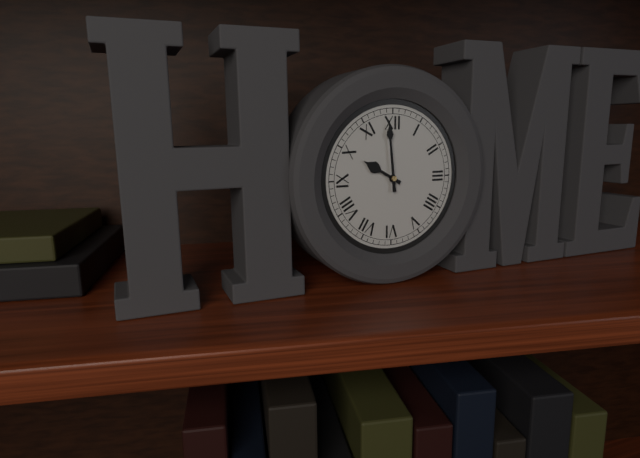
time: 9:59
